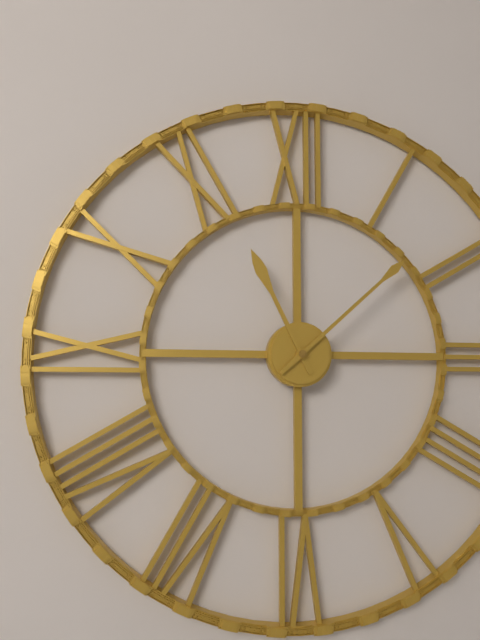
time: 11:08
